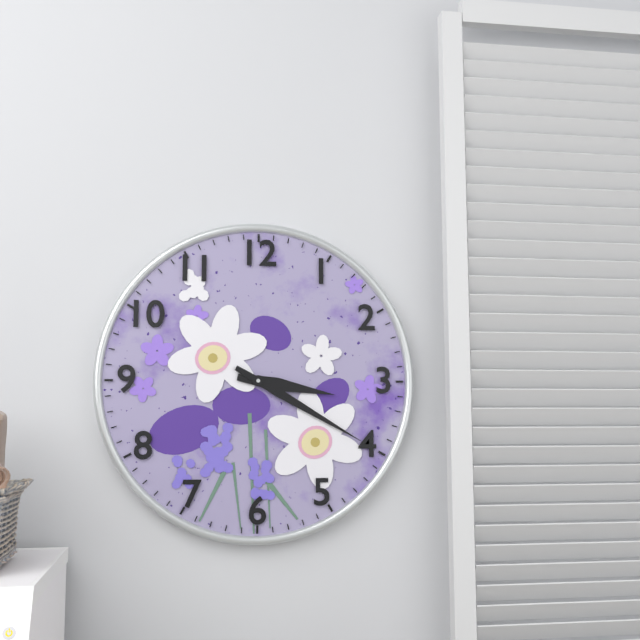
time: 3:20
